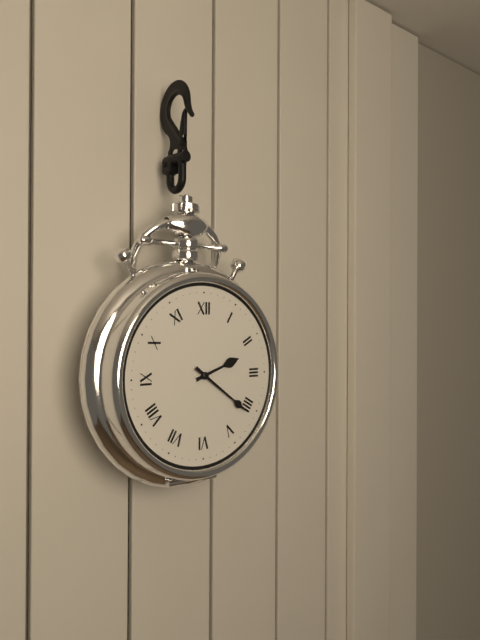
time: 2:21
